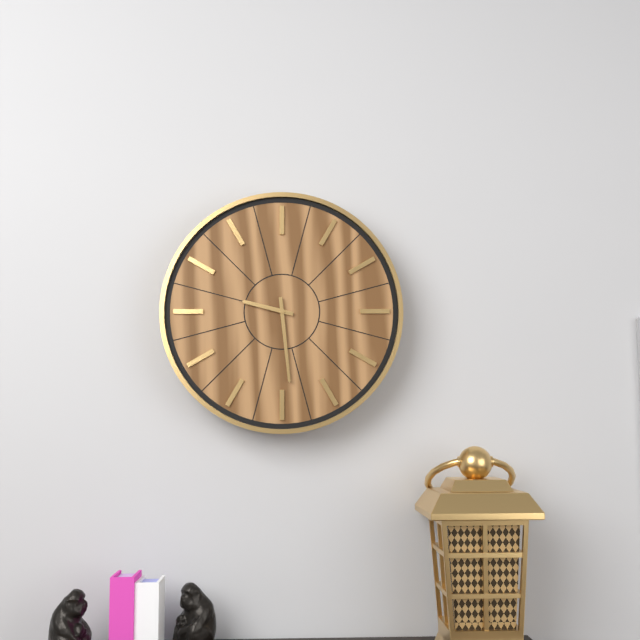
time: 9:29
